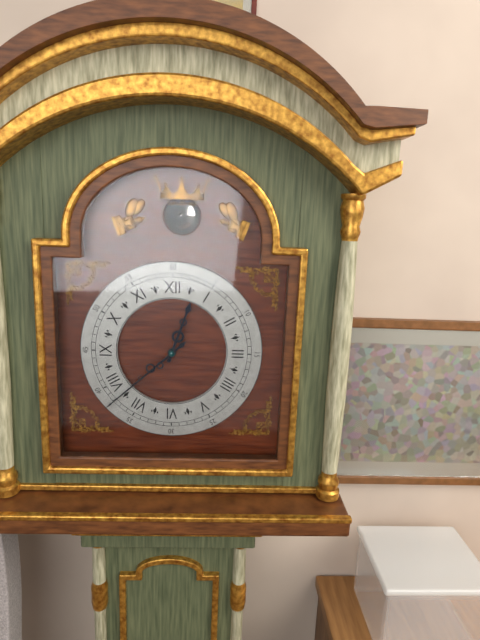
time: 12:38
